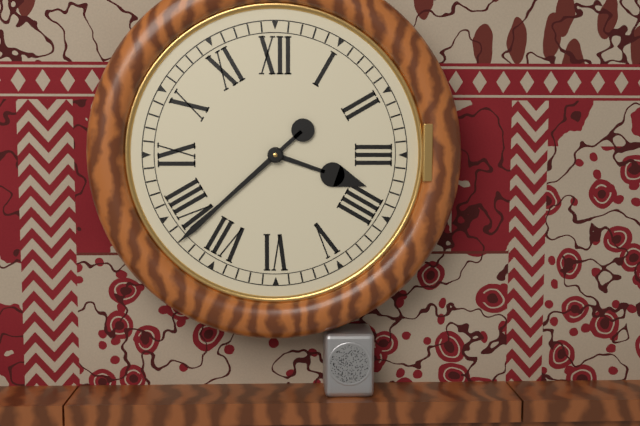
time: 3:38
